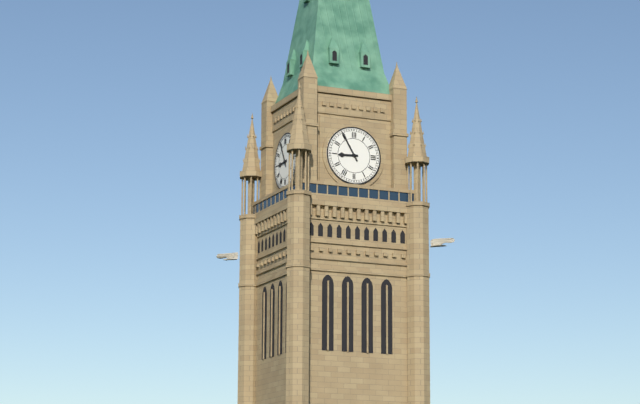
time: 8:55
